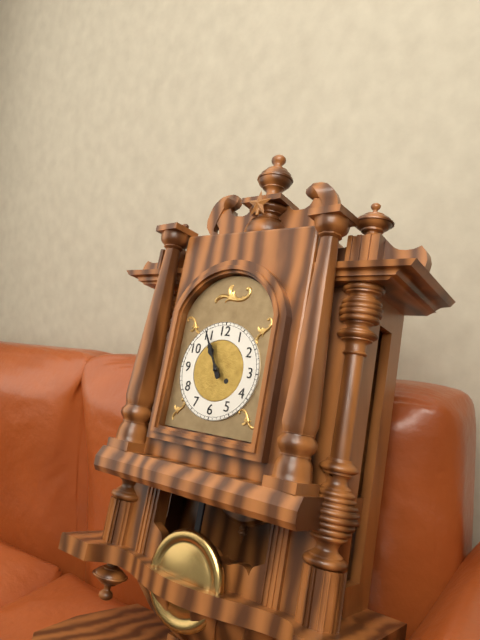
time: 10:55
